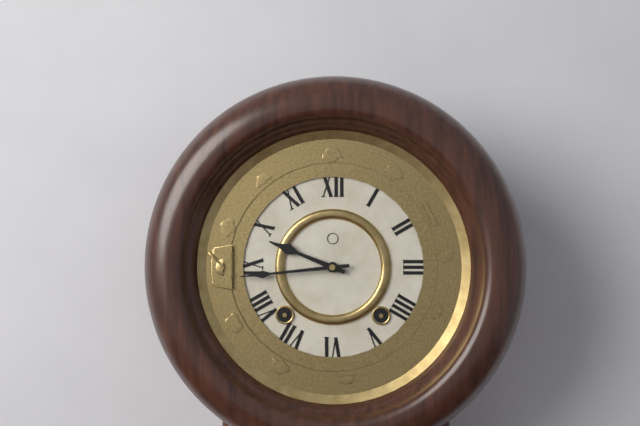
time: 9:44
